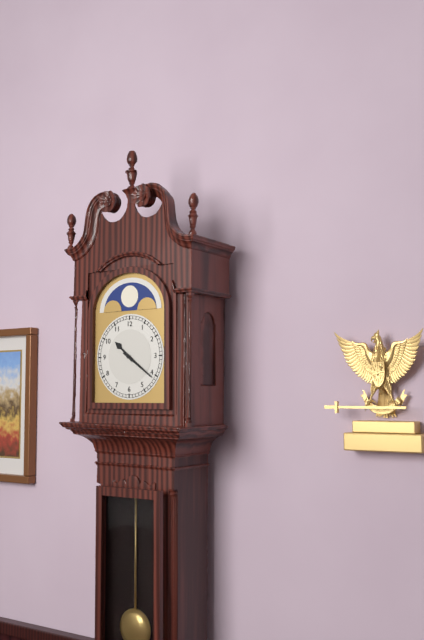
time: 10:21
